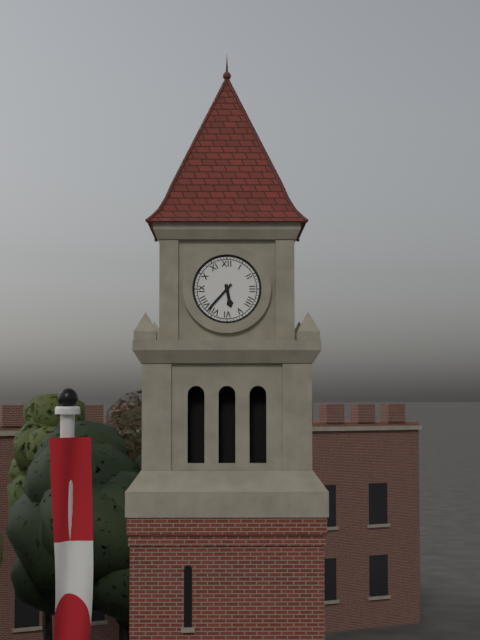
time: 5:37
